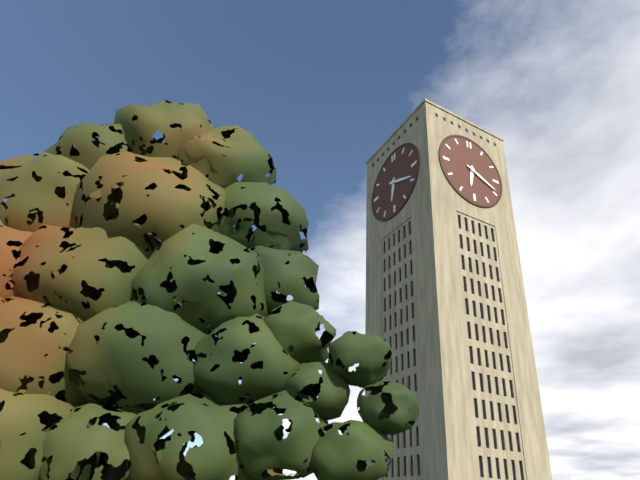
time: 6:19
